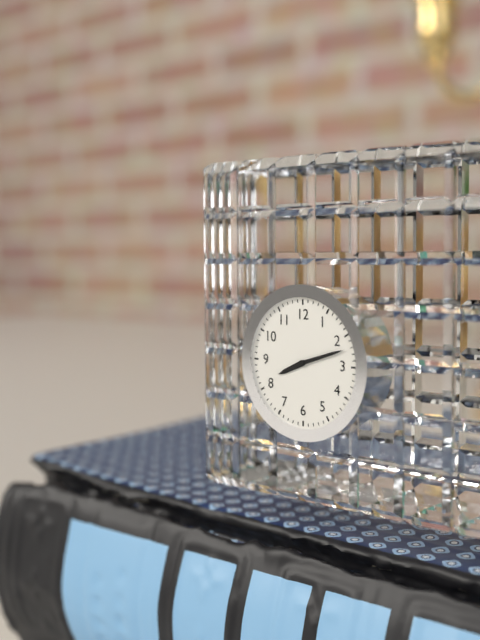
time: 8:12
